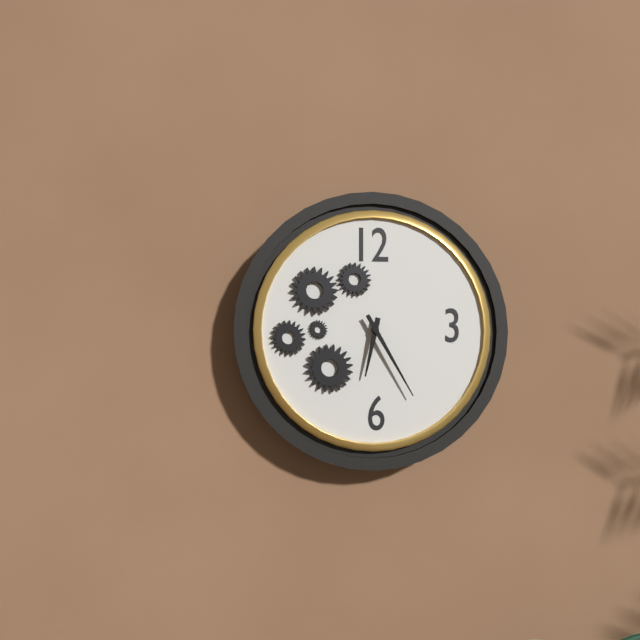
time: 6:25
